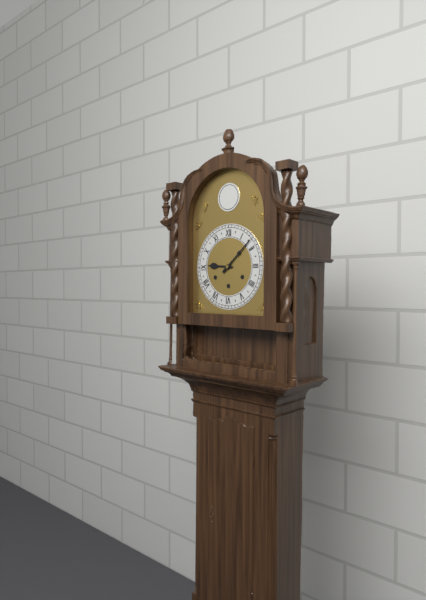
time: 9:08
